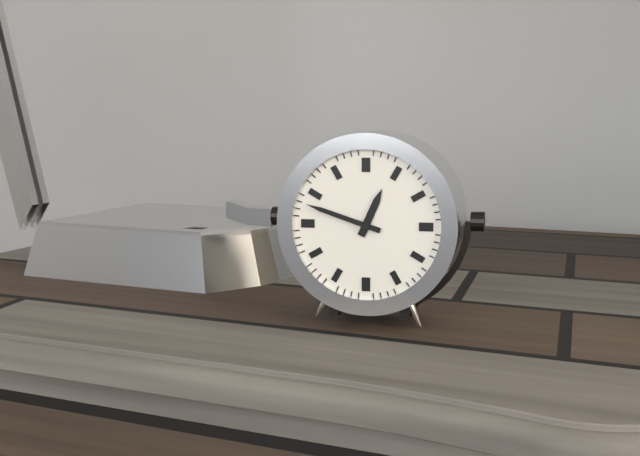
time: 12:48
